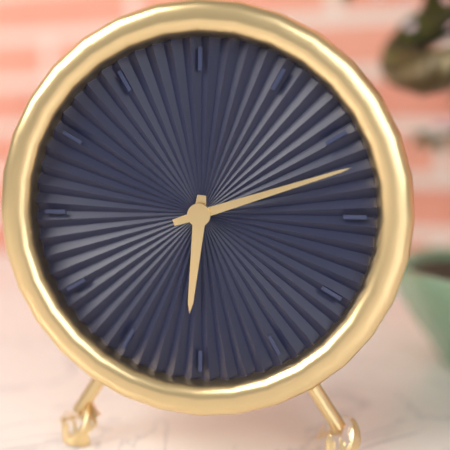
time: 6:12
